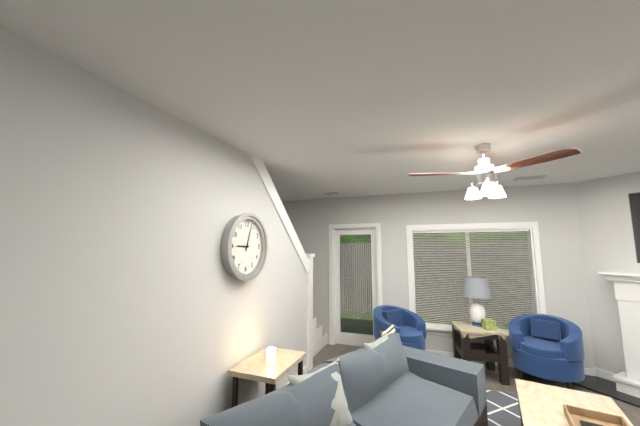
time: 9:03
